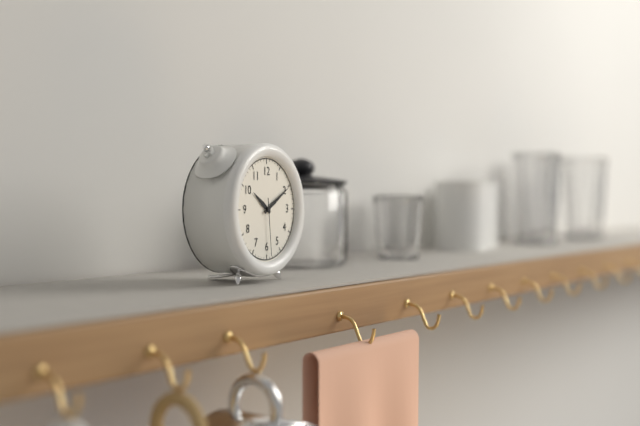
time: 10:10:29
